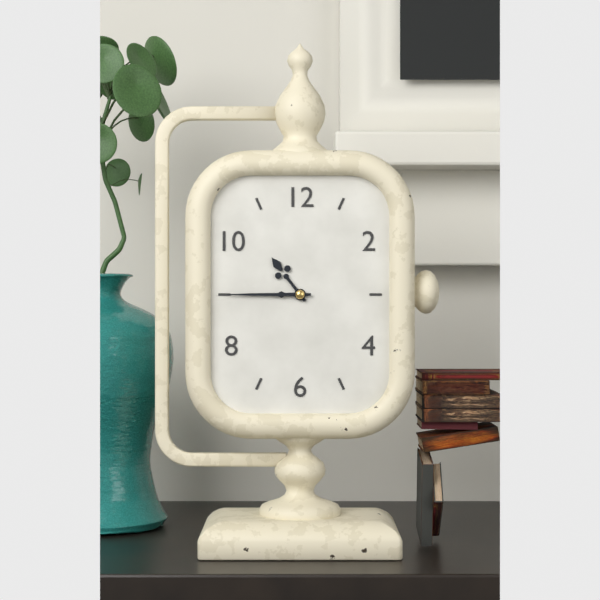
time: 10:45
